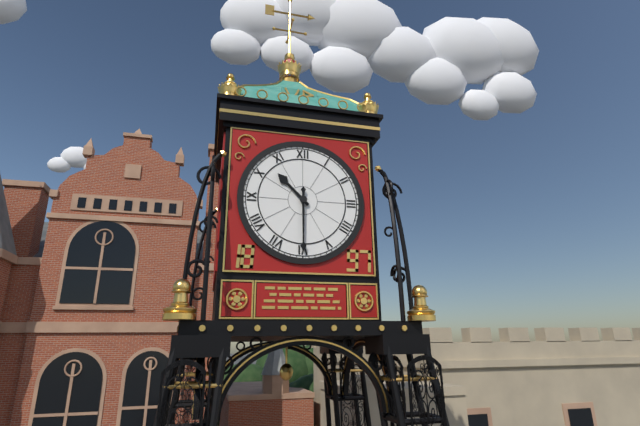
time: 10:30
